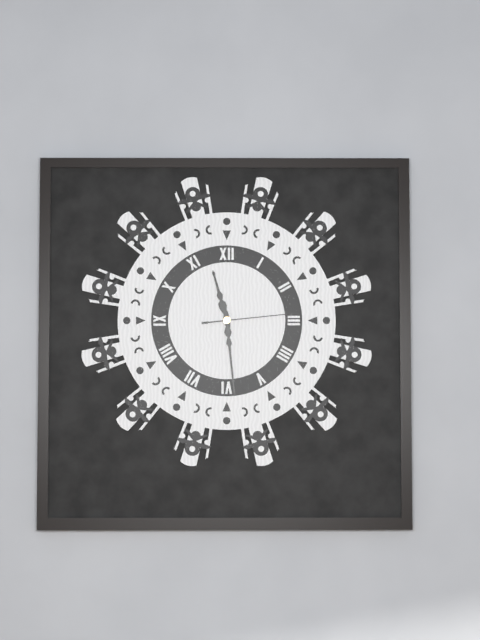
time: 11:29:14
